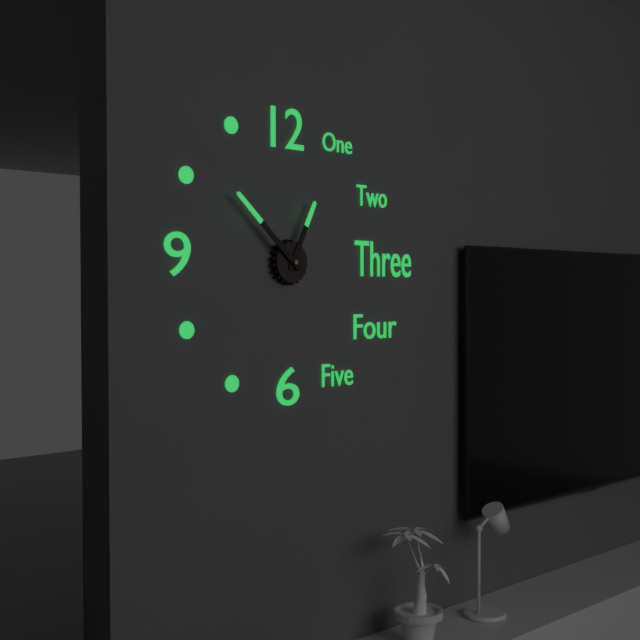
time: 12:52
